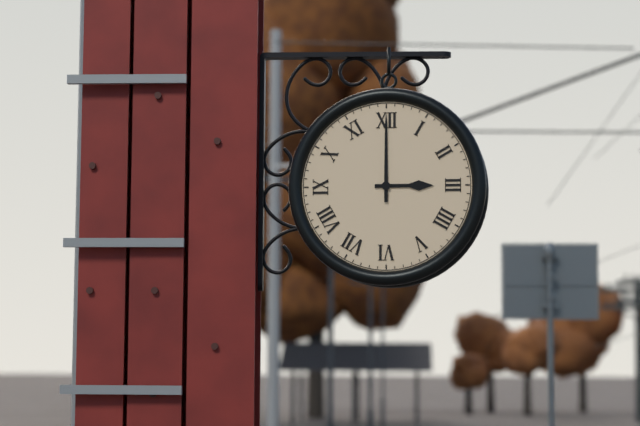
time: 3:00
